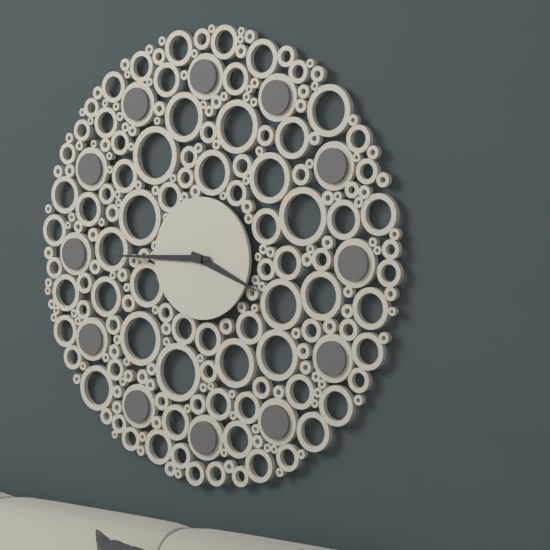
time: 3:45
